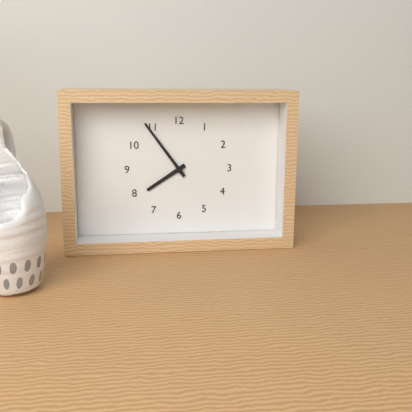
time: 7:54
